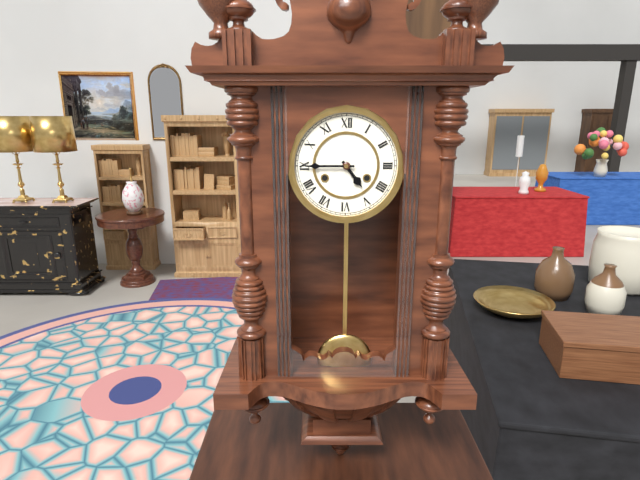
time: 4:45
